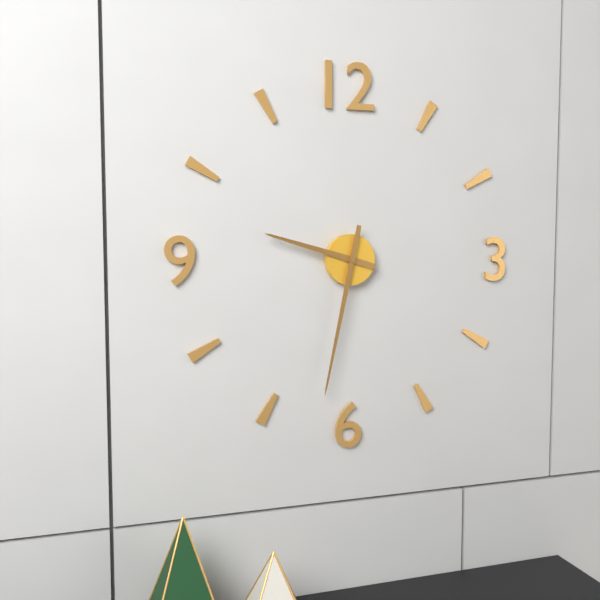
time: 9:32
